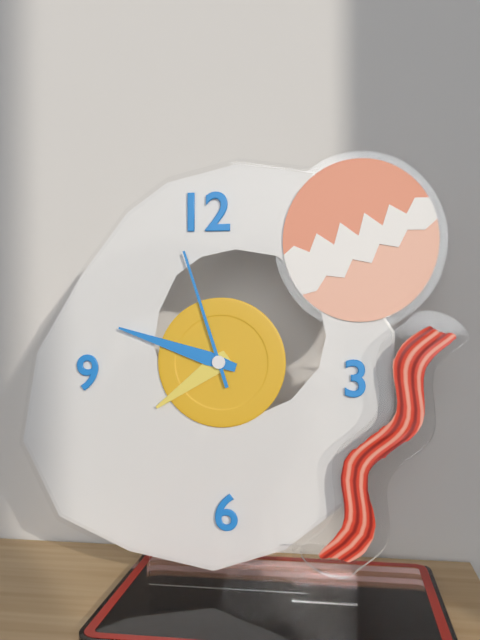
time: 7:48:57
